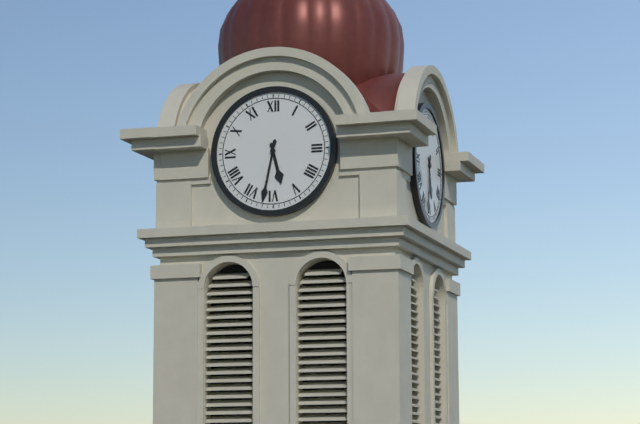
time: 5:32
